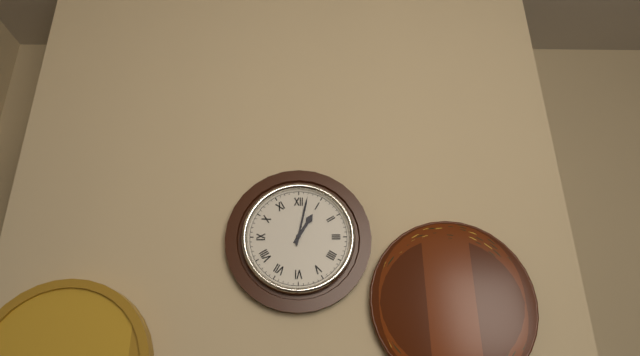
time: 1:02
